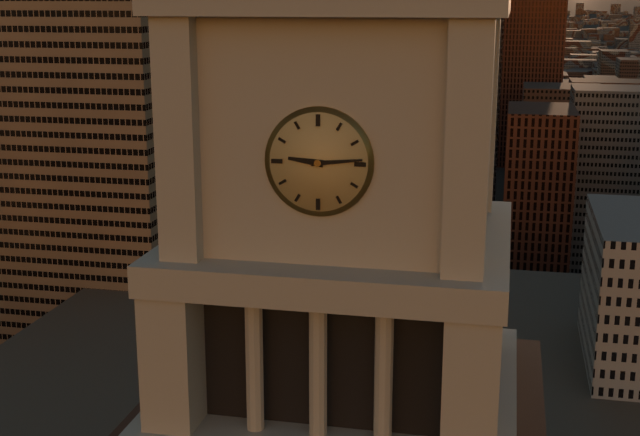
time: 9:14
